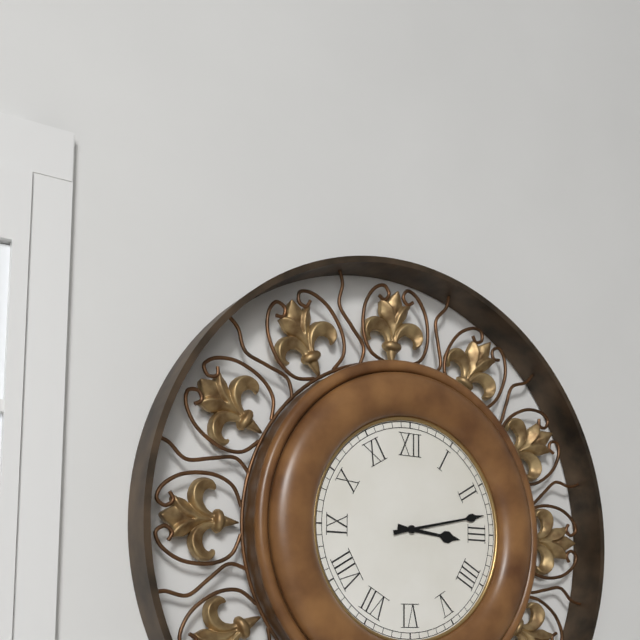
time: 3:13
